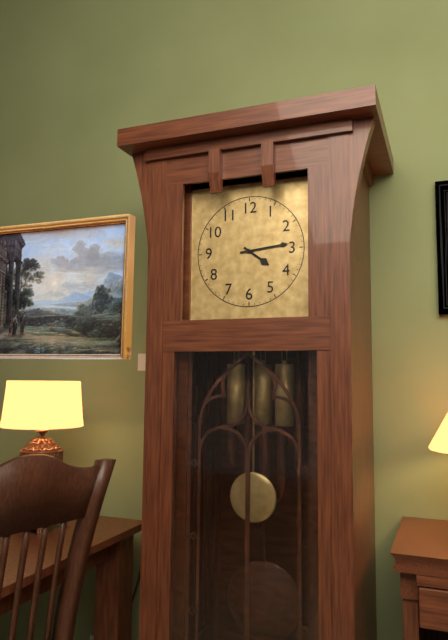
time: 4:14
